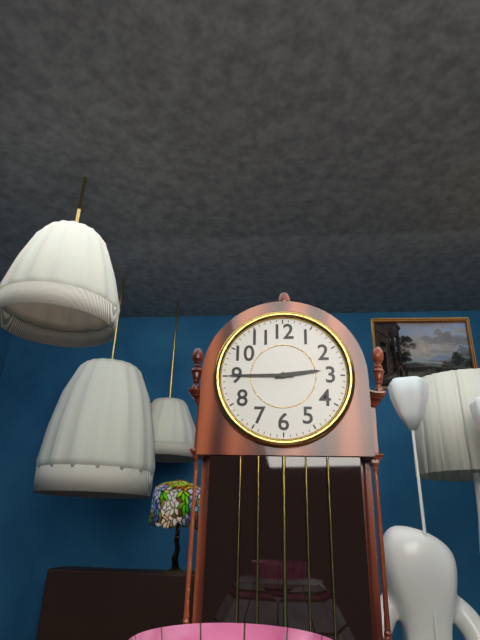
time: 2:45
